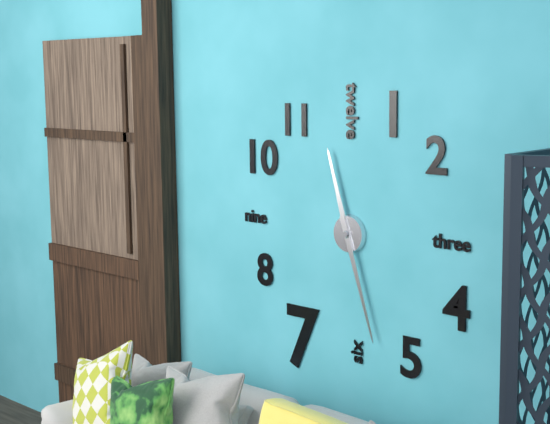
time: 11:27
